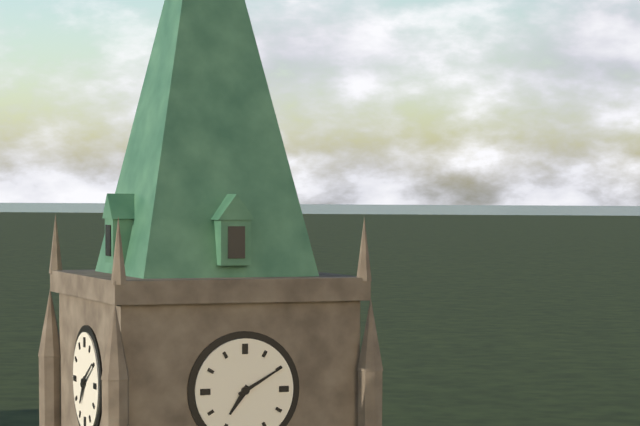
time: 7:10
